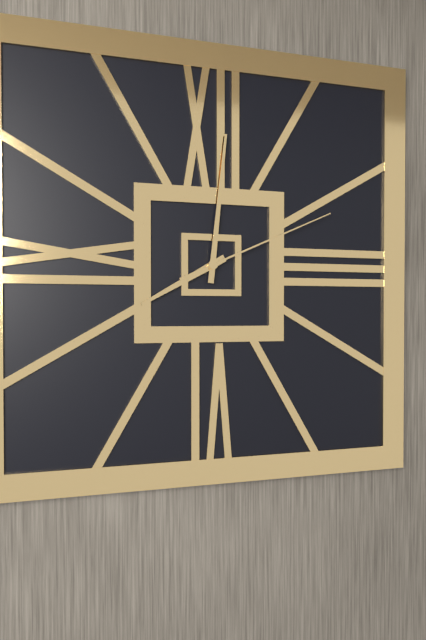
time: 8:01:11
